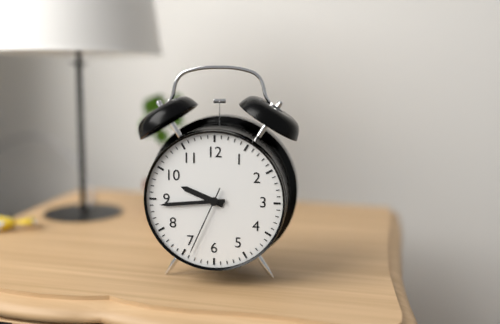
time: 9:44:34
